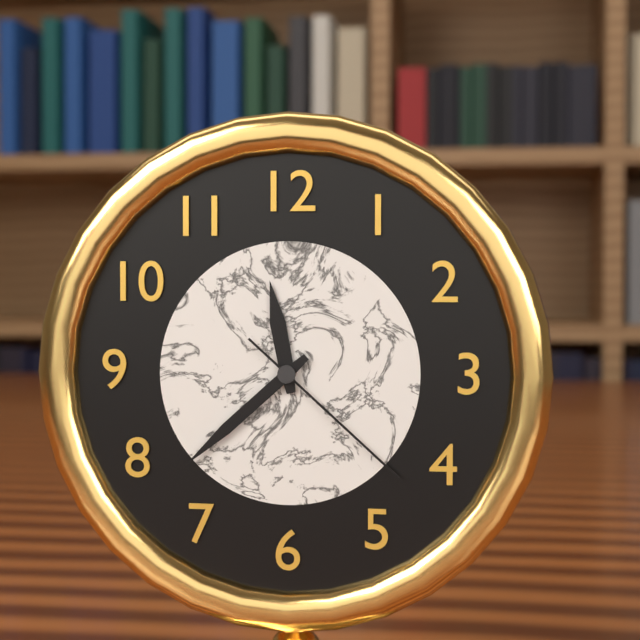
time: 11:38:22
